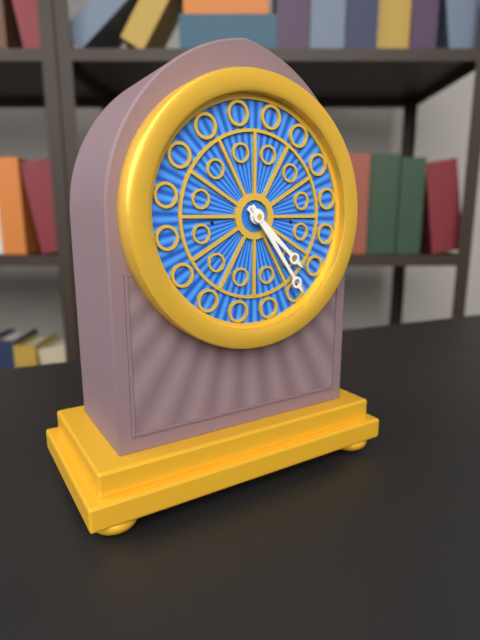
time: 4:24
